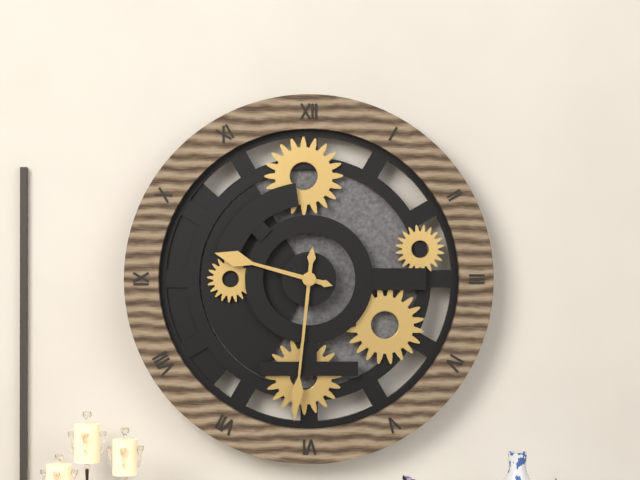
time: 9:31
